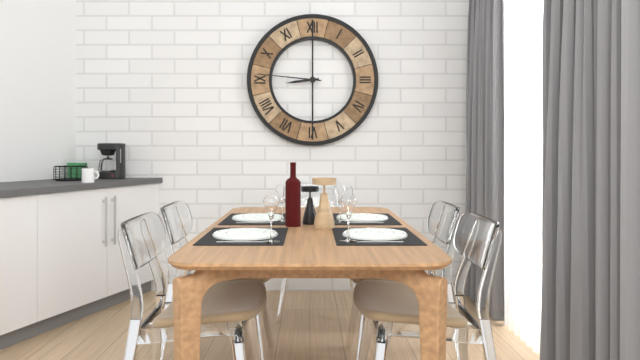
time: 8:46
